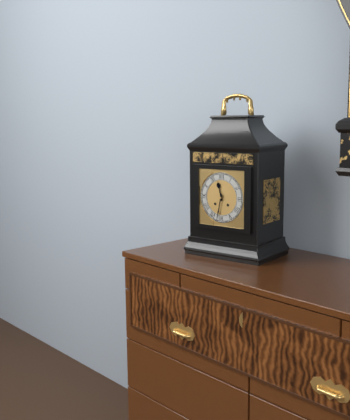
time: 11:32
